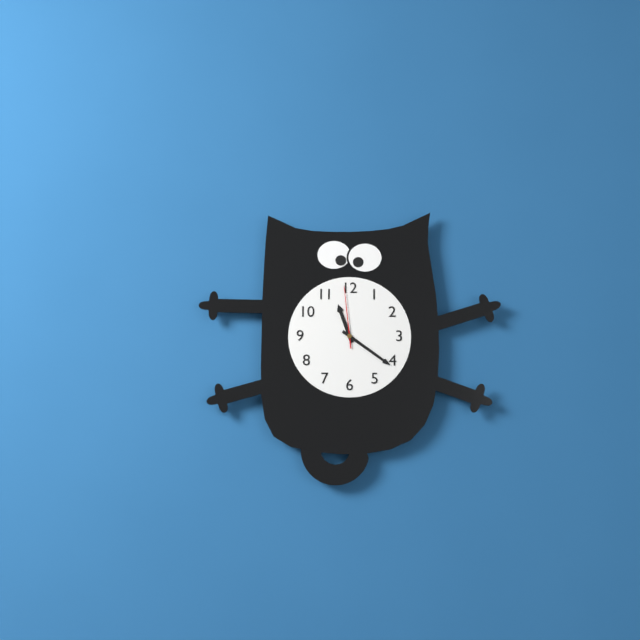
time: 11:21:59
